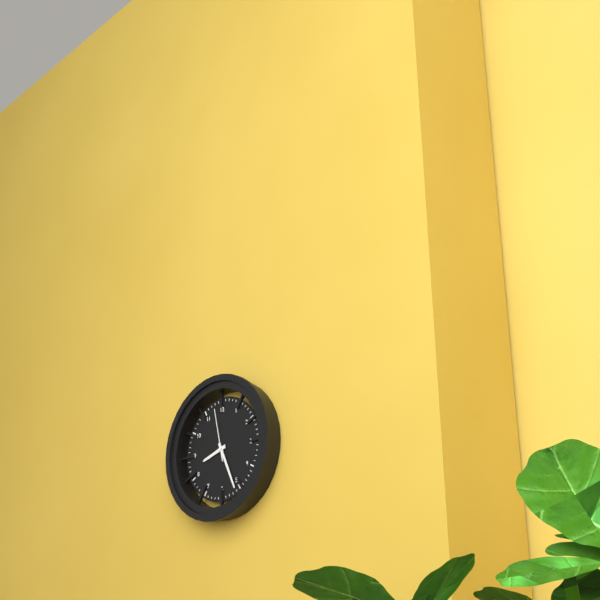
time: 8:26:58
